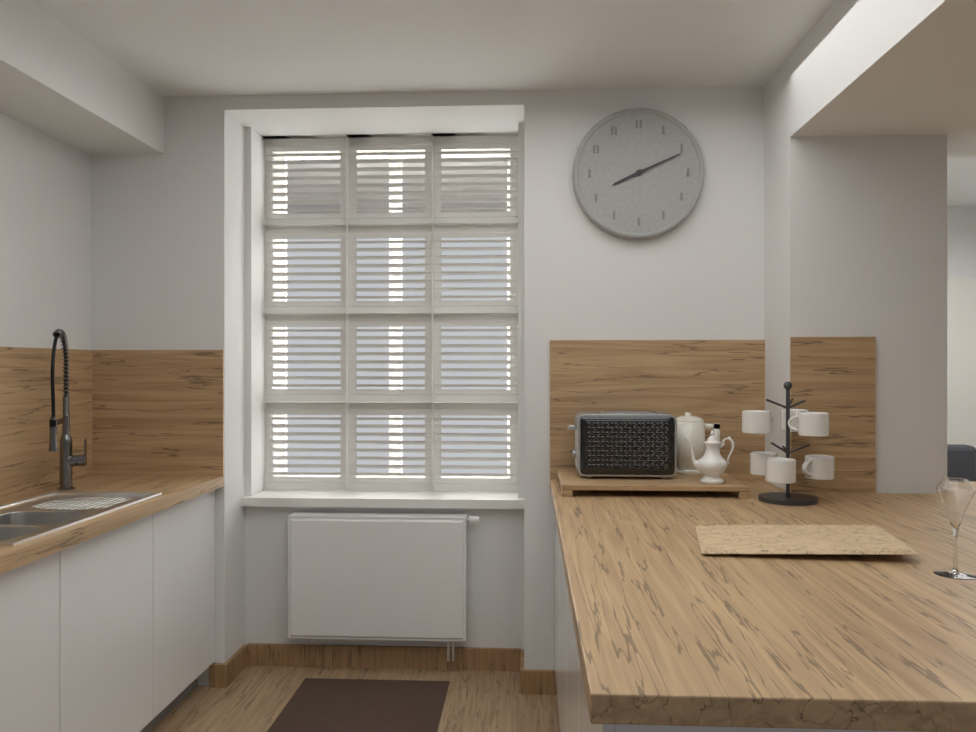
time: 8:11
